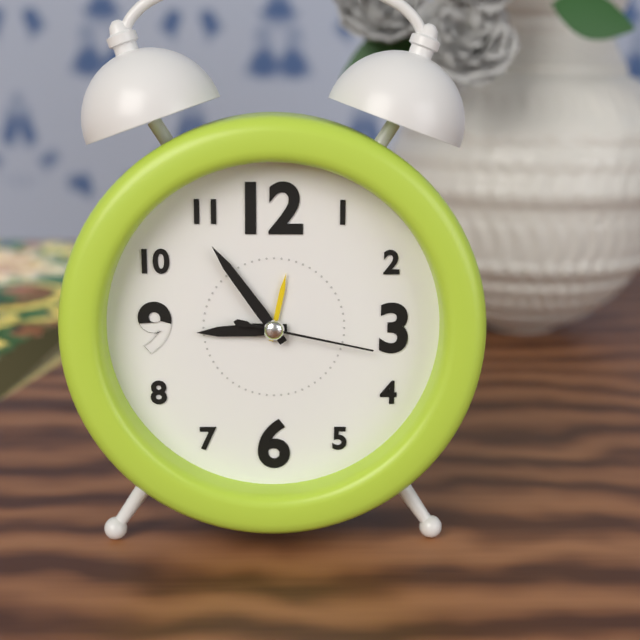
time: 8:54:17
